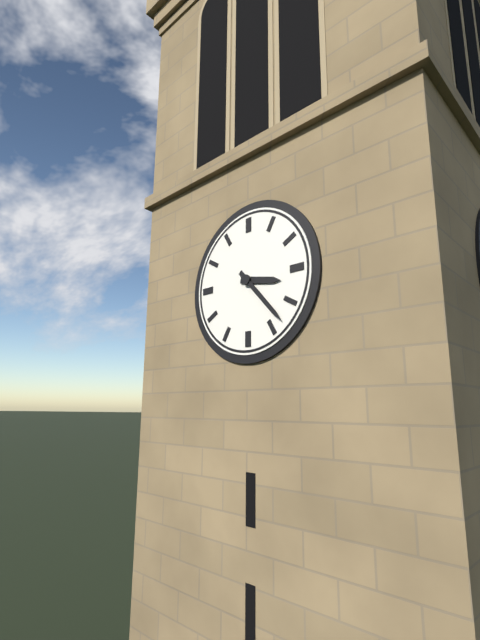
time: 3:23
